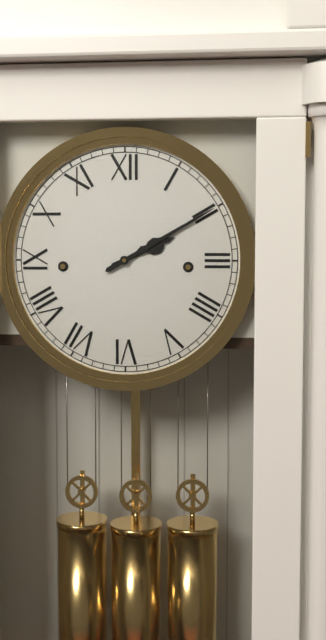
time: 2:10
